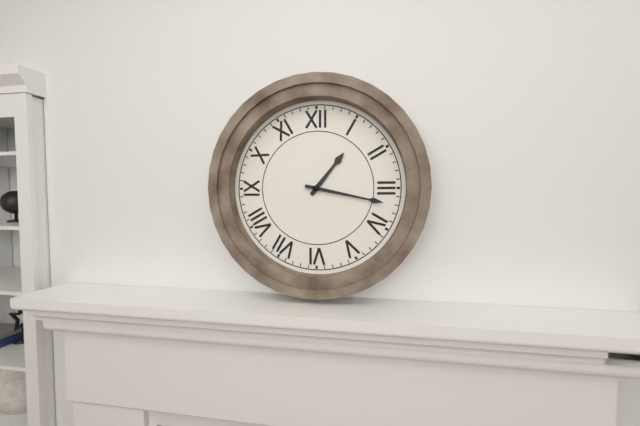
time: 1:17
